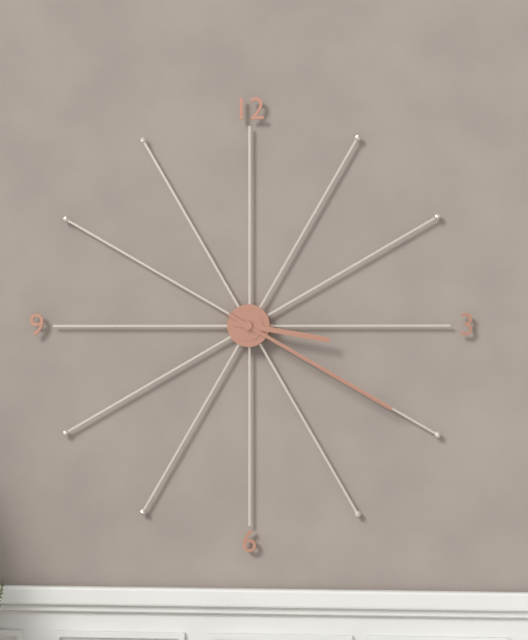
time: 3:20
